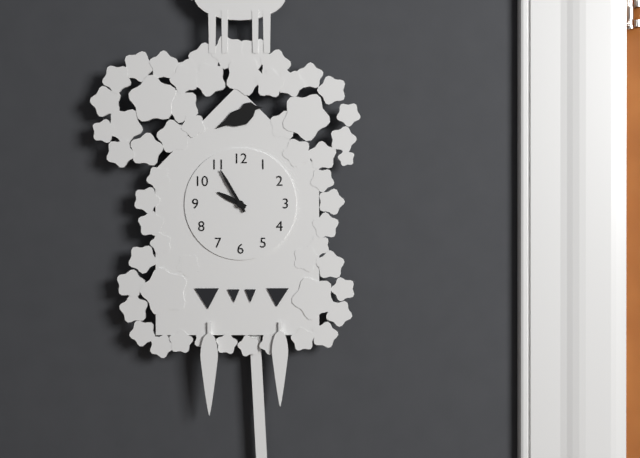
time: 9:55
